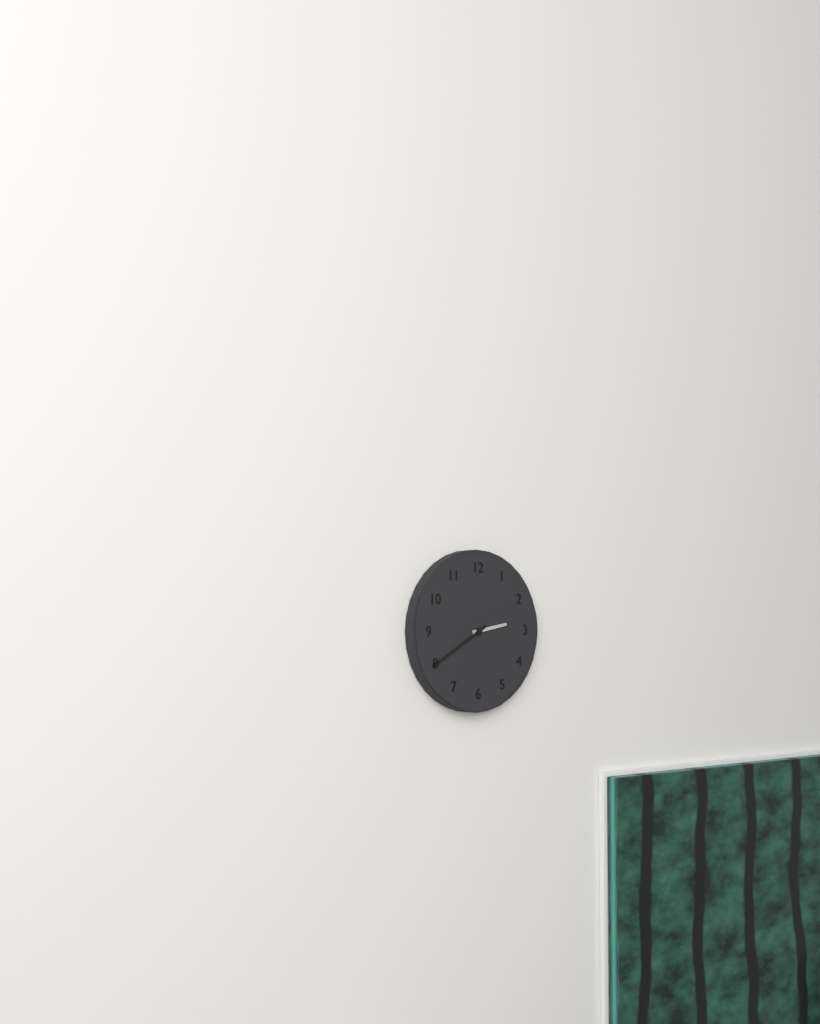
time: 2:40
